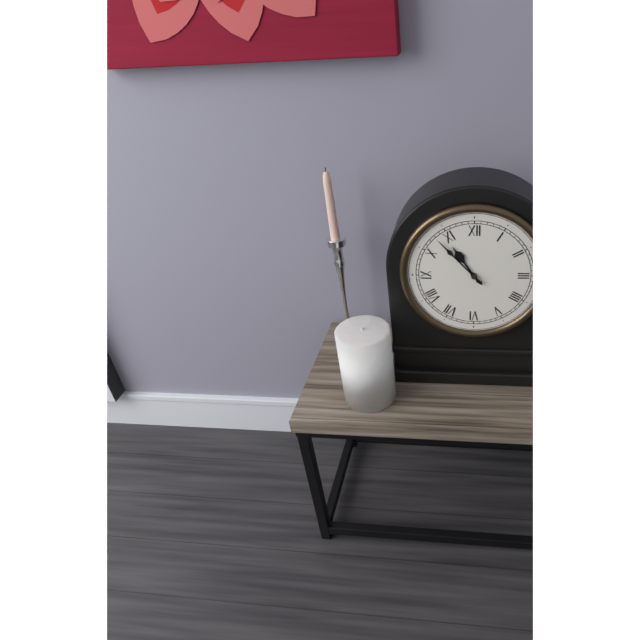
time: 10:53
